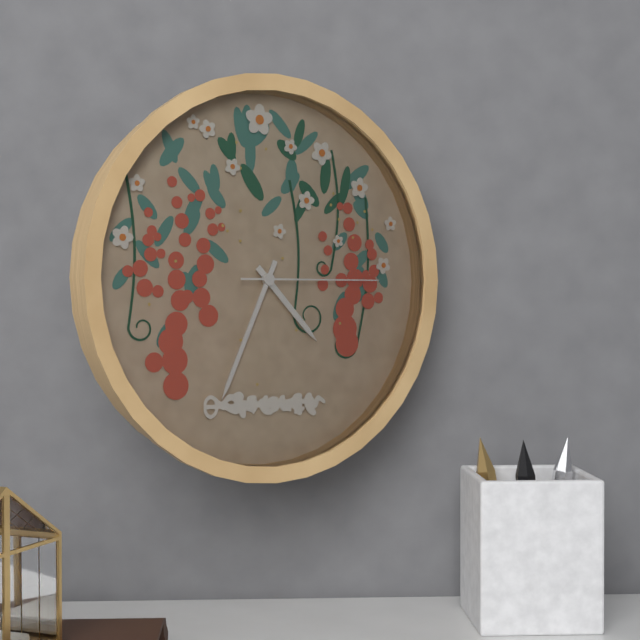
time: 4:34:15
